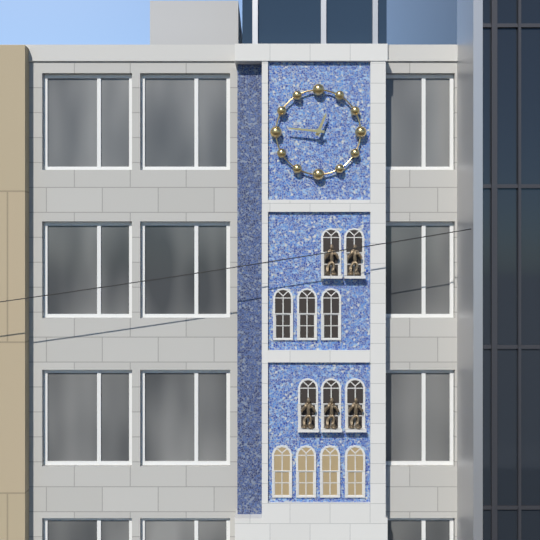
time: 12:46
